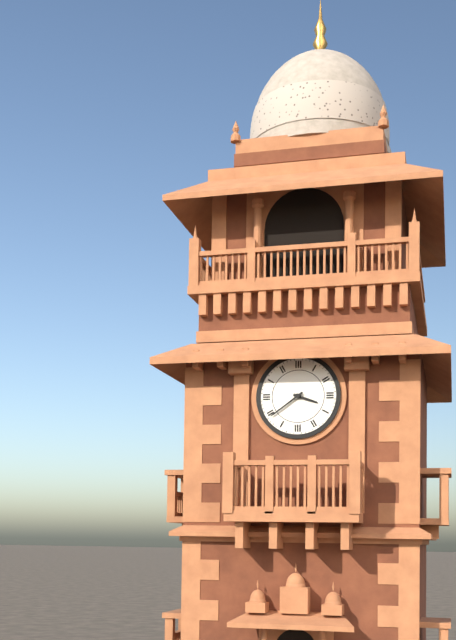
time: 3:39
